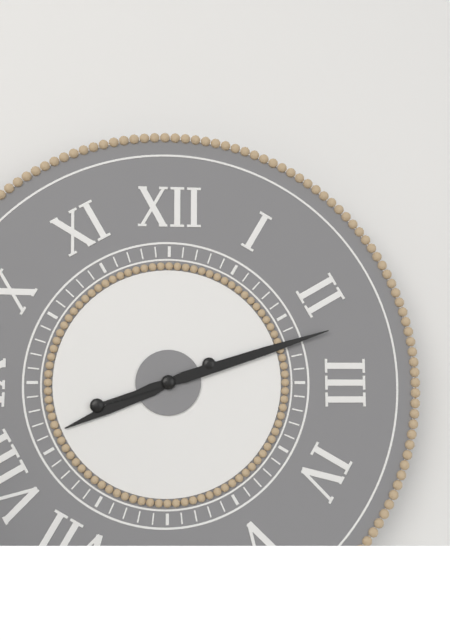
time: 8:12
